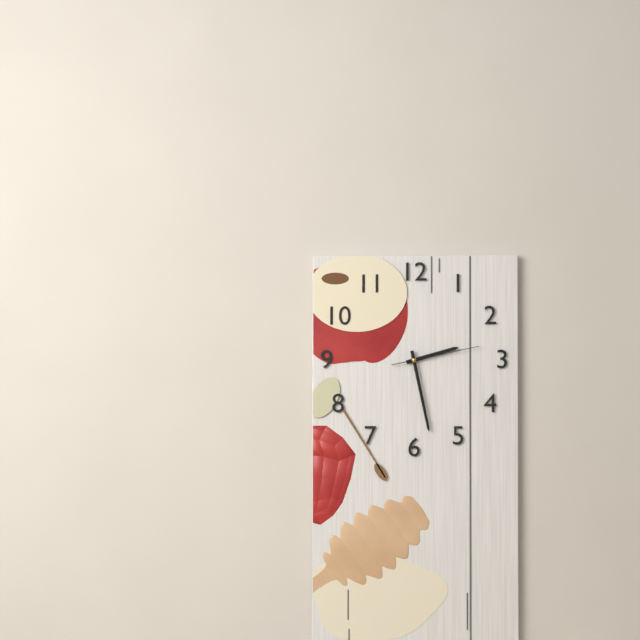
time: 2:28:13
